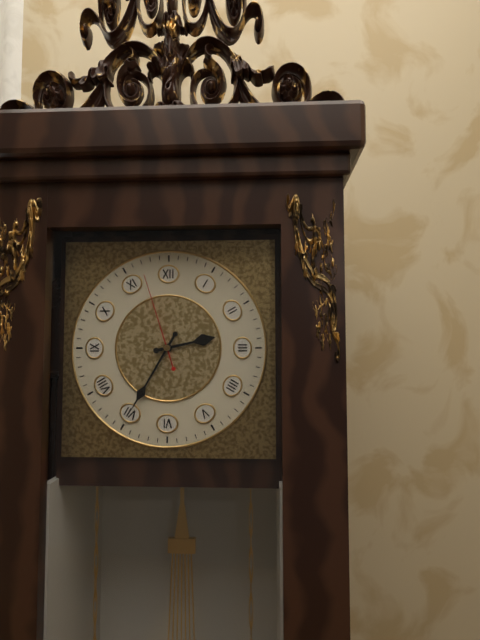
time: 2:35:57
